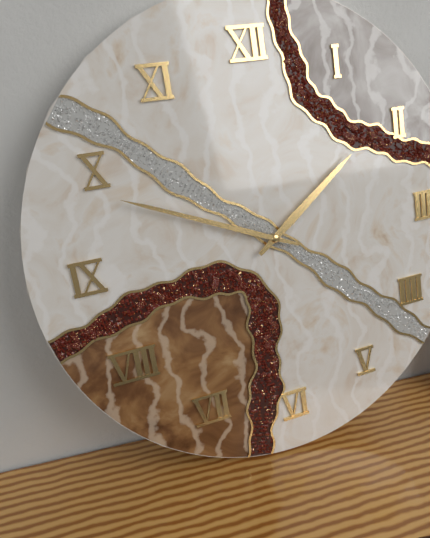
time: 1:49
